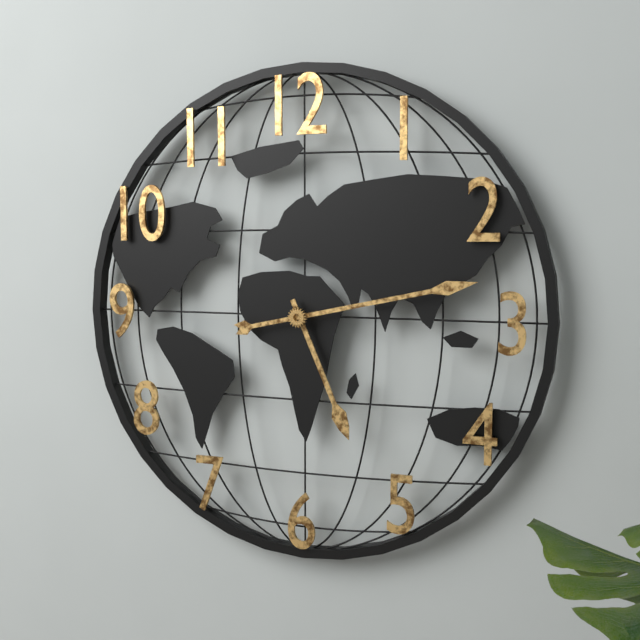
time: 5:13
